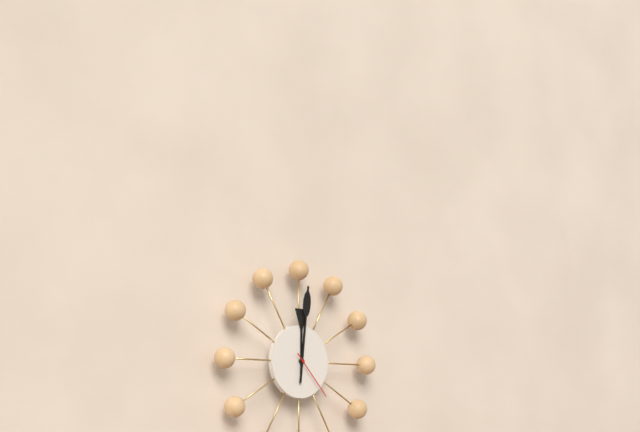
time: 12:01:23
